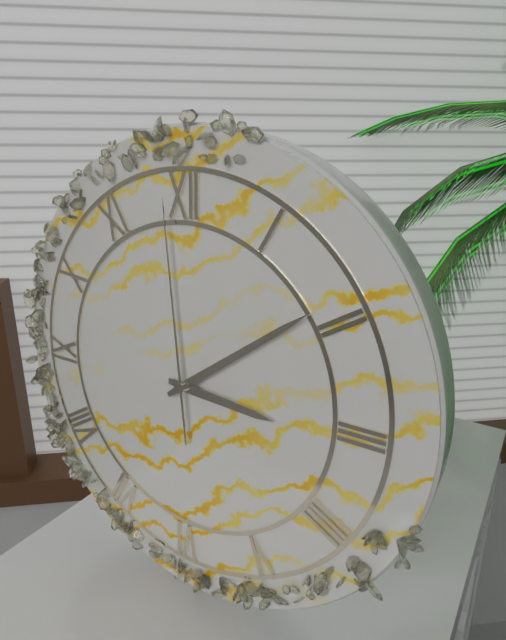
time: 3:09:59
